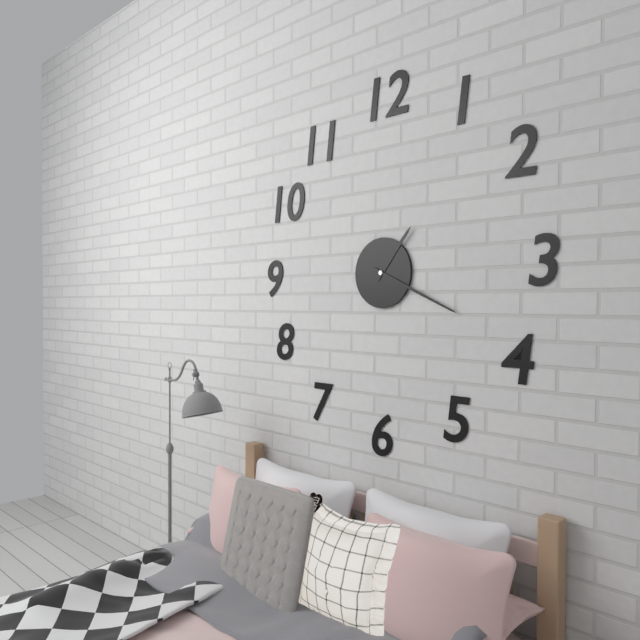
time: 1:19
